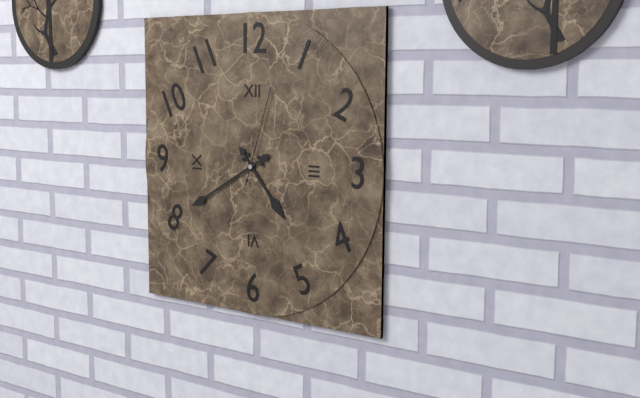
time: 4:40:03
